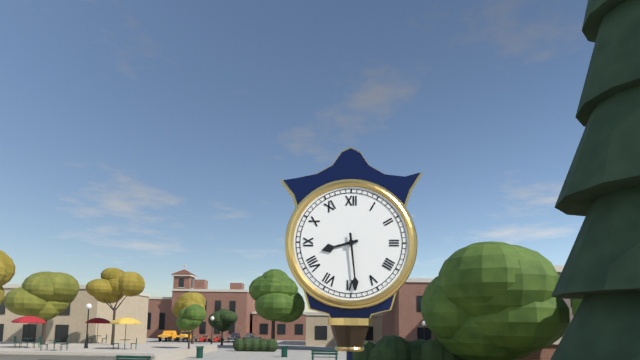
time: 8:29
